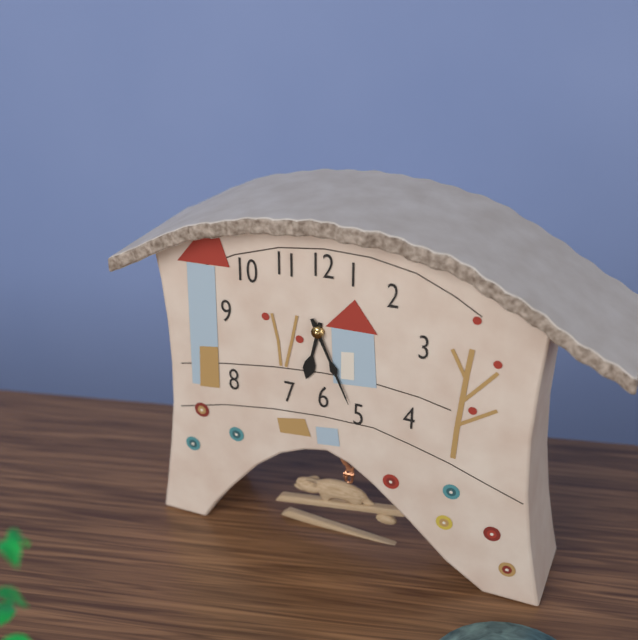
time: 6:26
